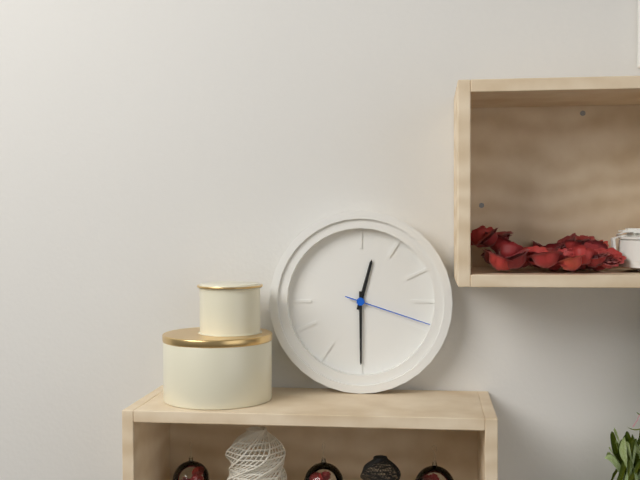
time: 12:30:18
